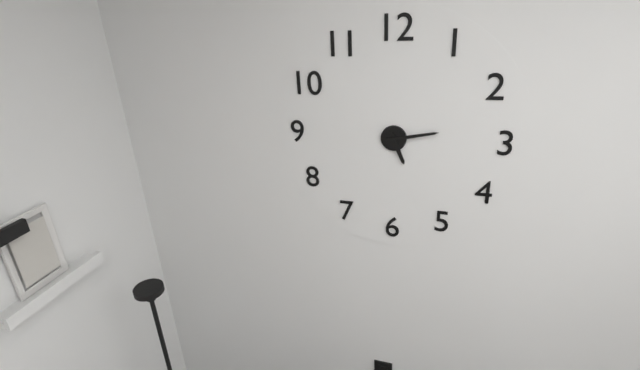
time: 5:13
